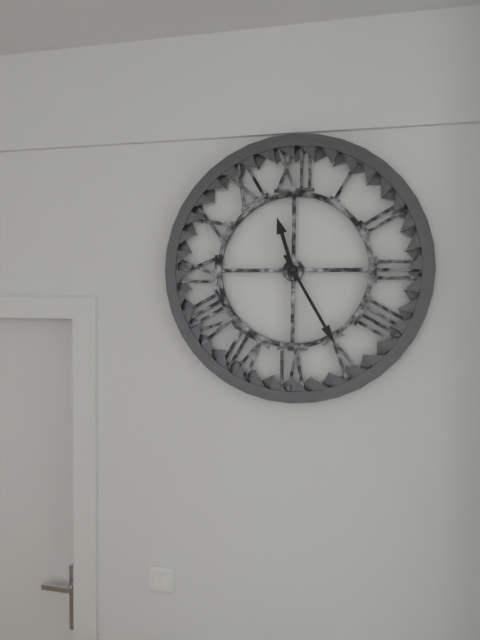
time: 11:25
